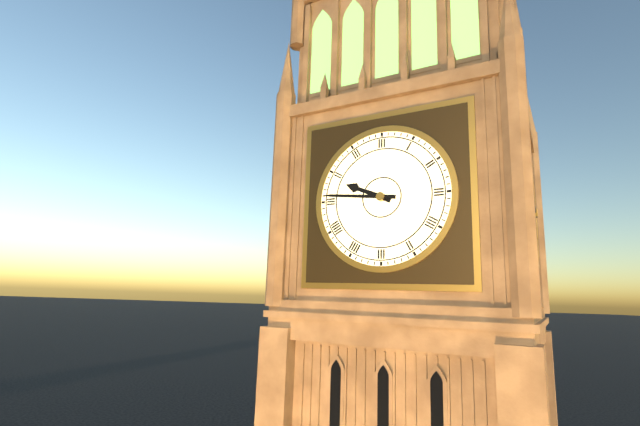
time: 9:46
